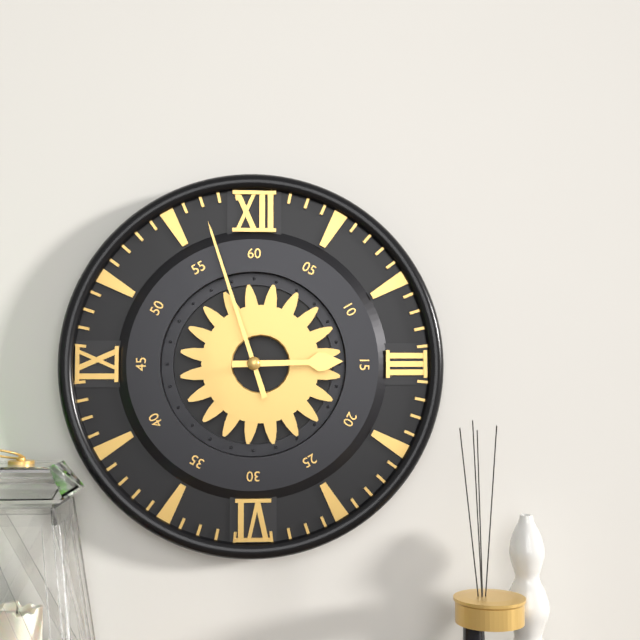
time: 2:57
